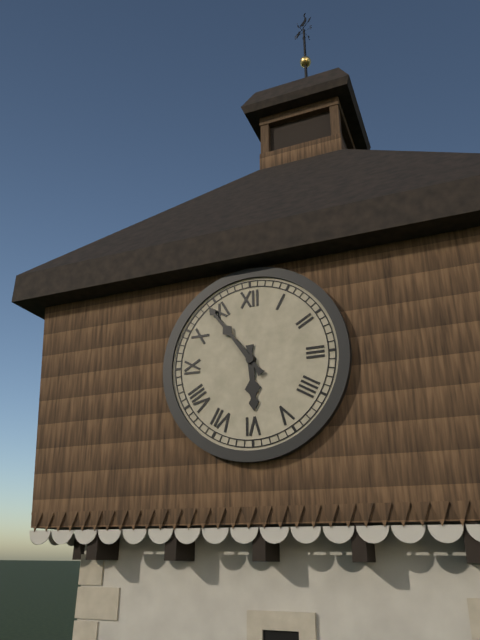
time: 5:54
